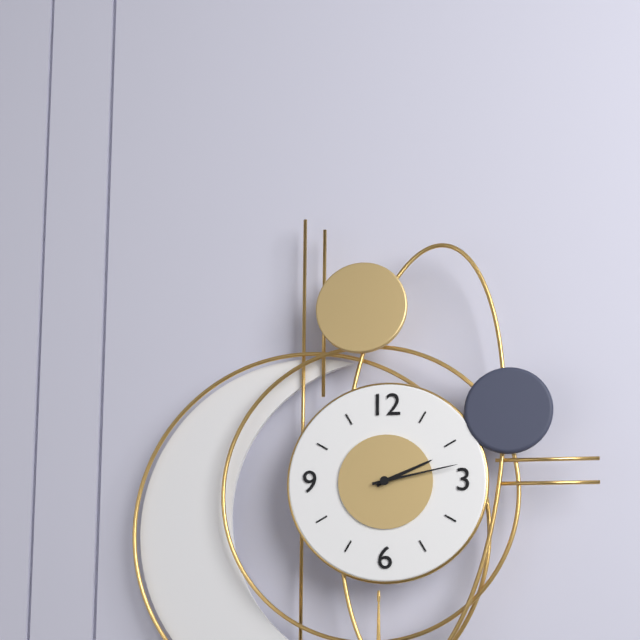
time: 2:13
